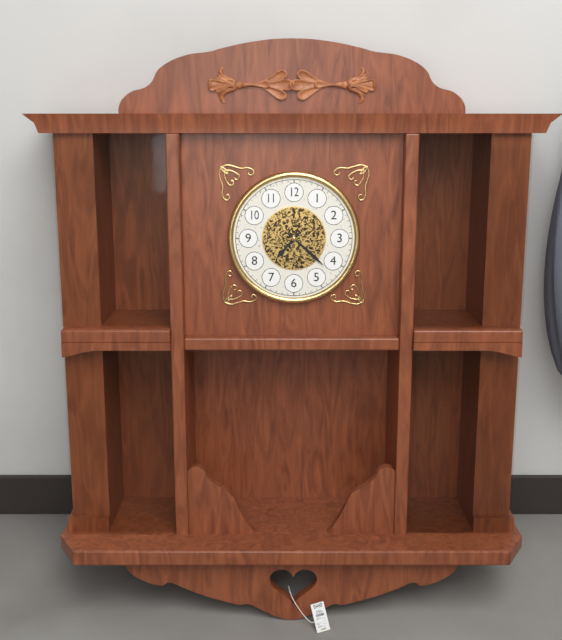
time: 7:22
